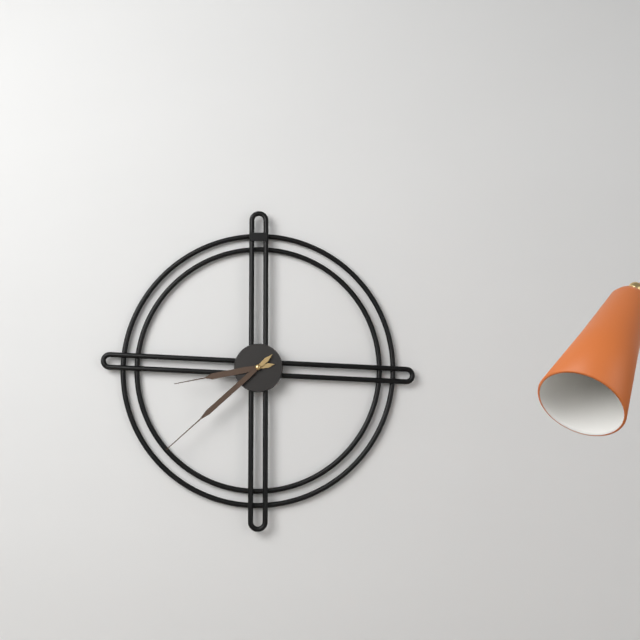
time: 8:38
